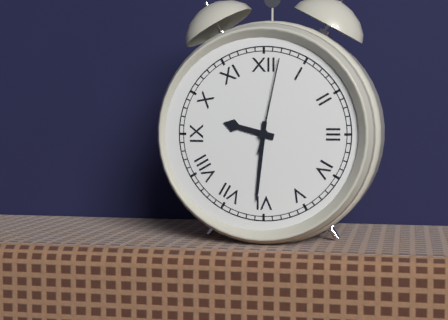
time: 9:31:02
